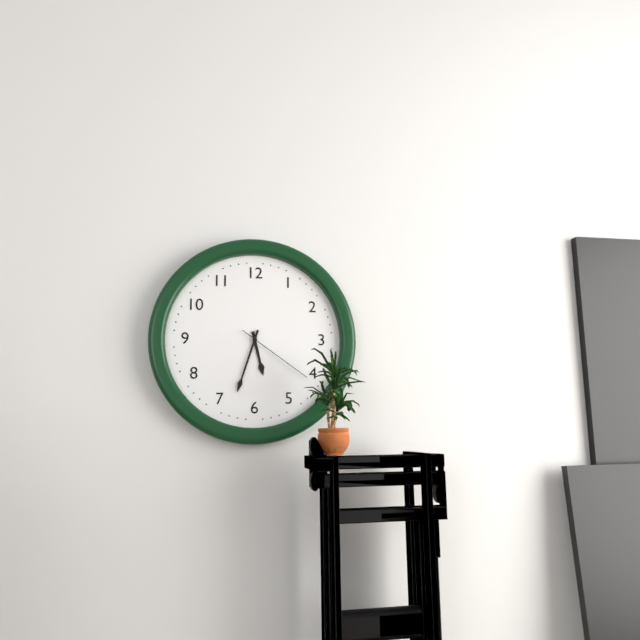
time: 5:33:21
